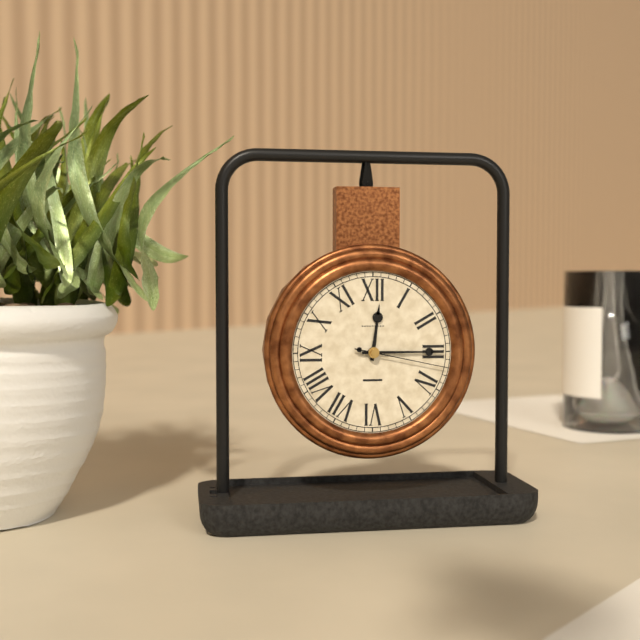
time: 12:15:17
